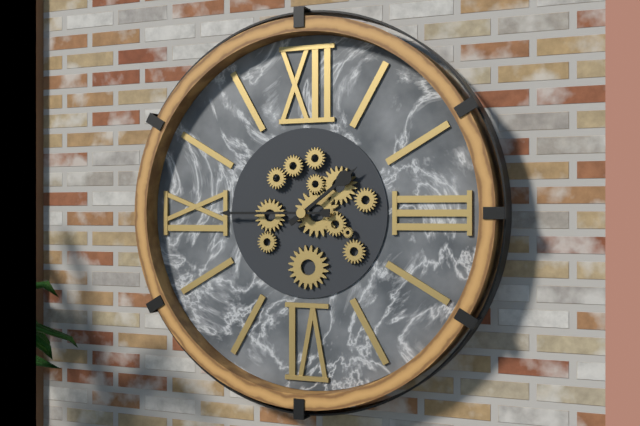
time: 1:45
